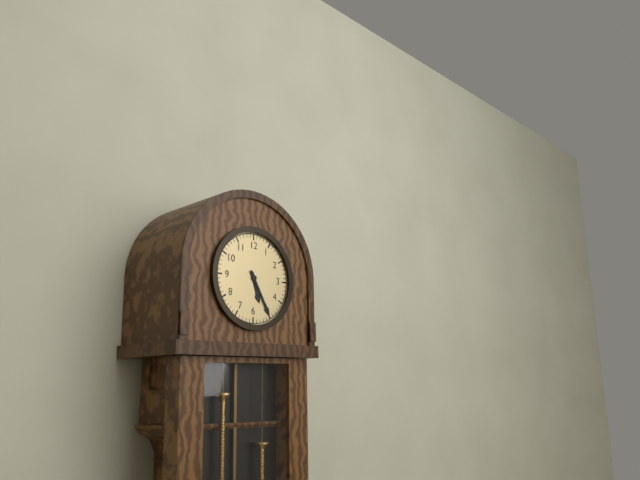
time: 5:25
